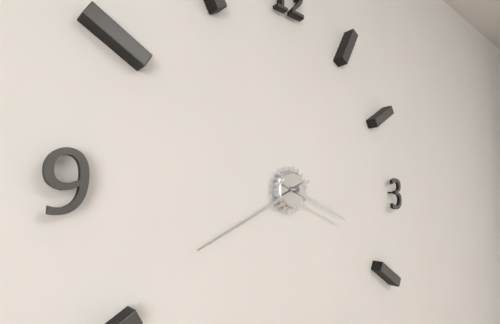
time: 3:41
